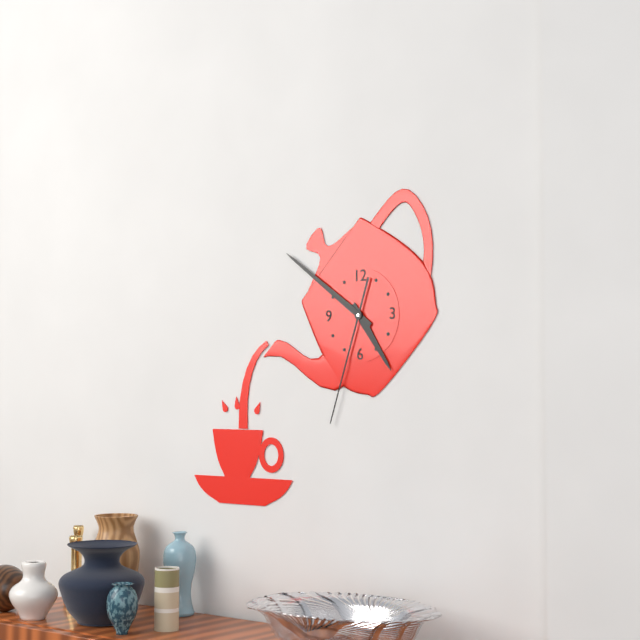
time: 4:51:33
